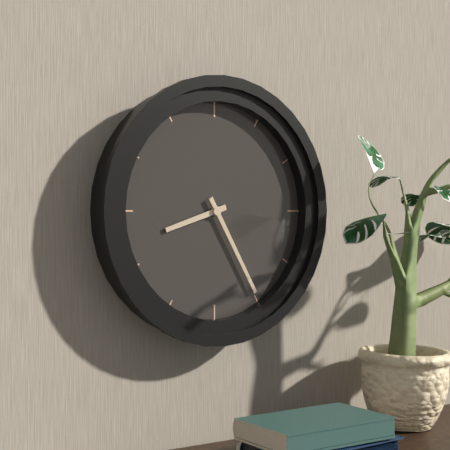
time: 8:25
